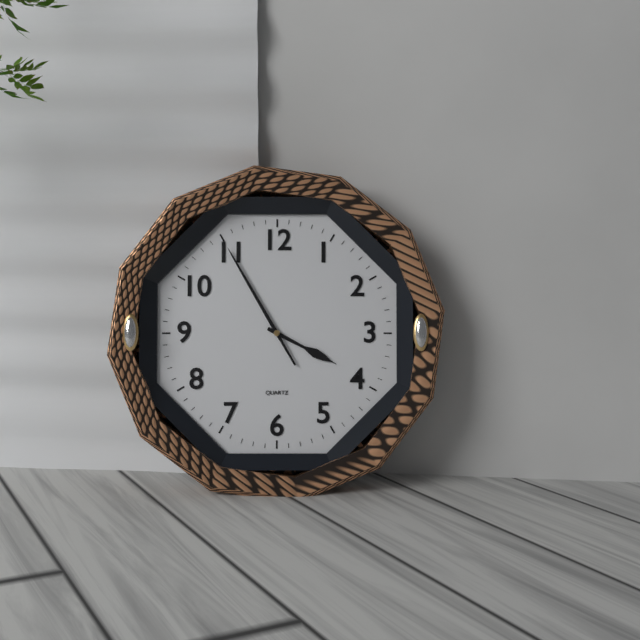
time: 3:55
